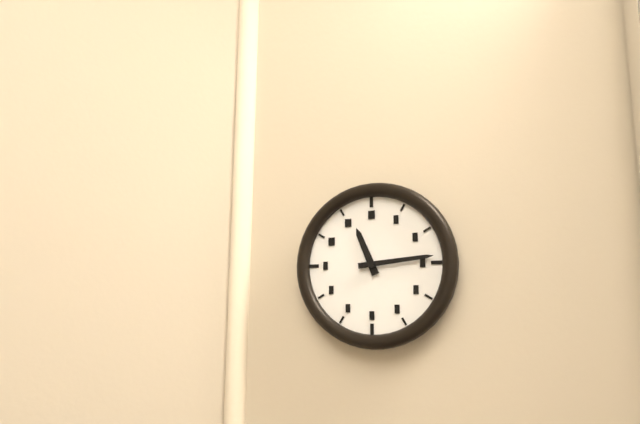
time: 11:14
